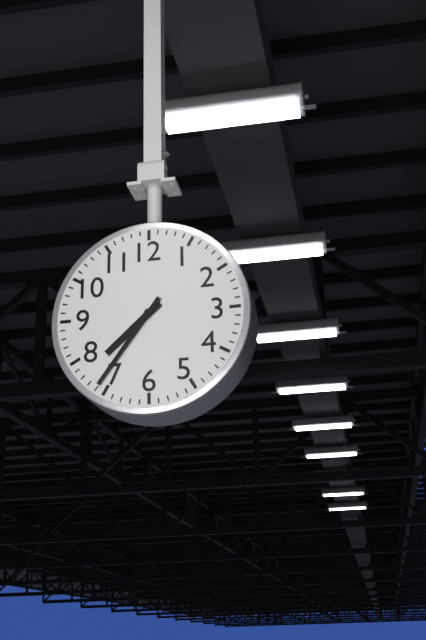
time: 7:36
